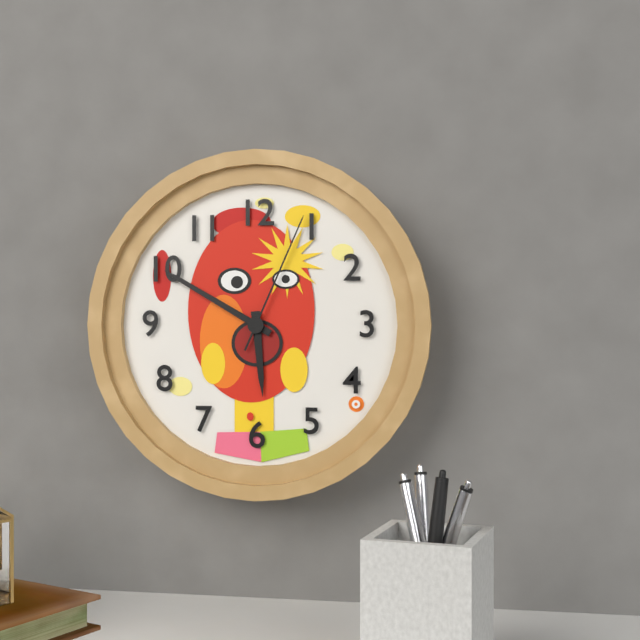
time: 5:50:04
